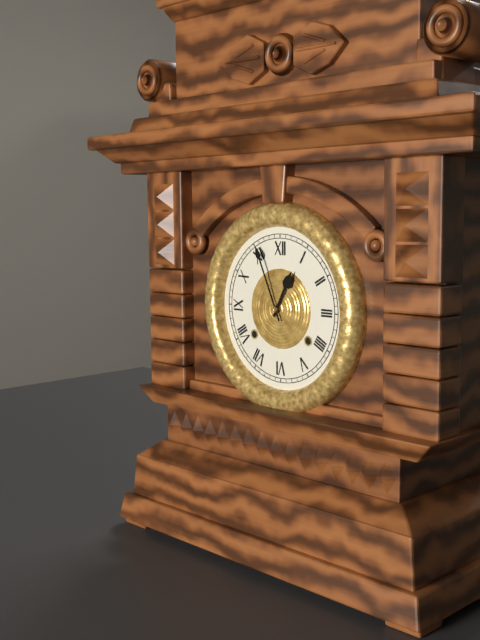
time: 12:56
